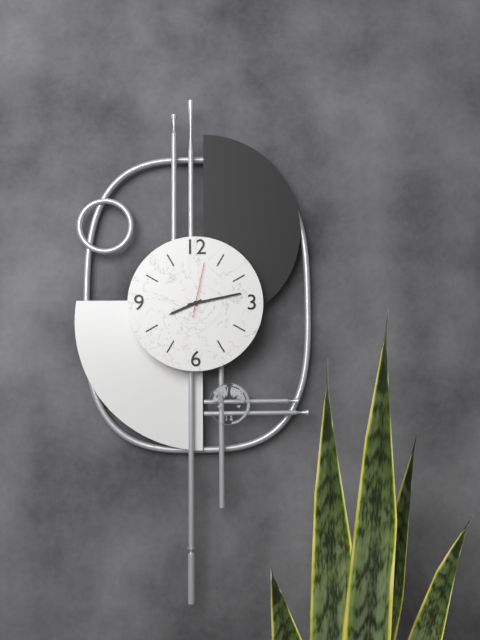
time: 8:13:02
